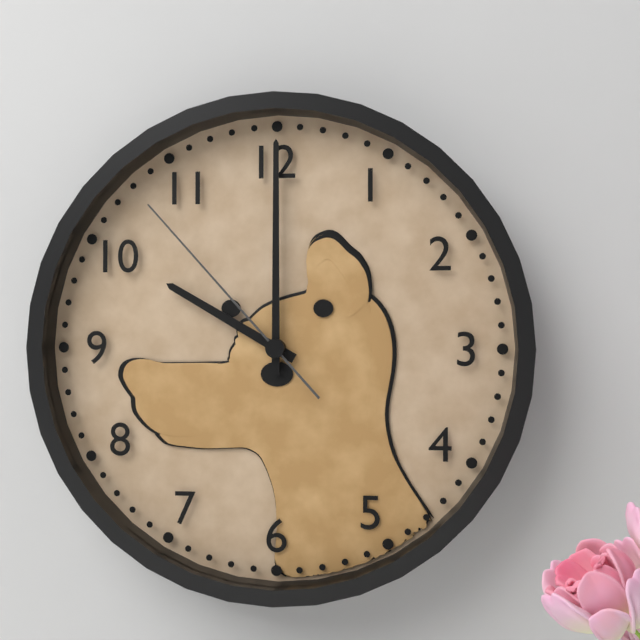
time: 10:00:53
